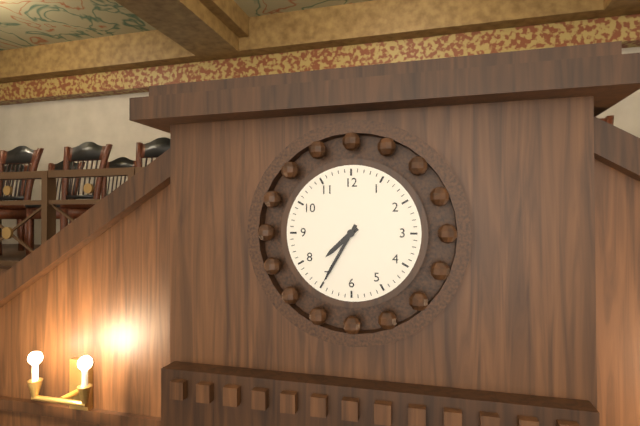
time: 7:35
